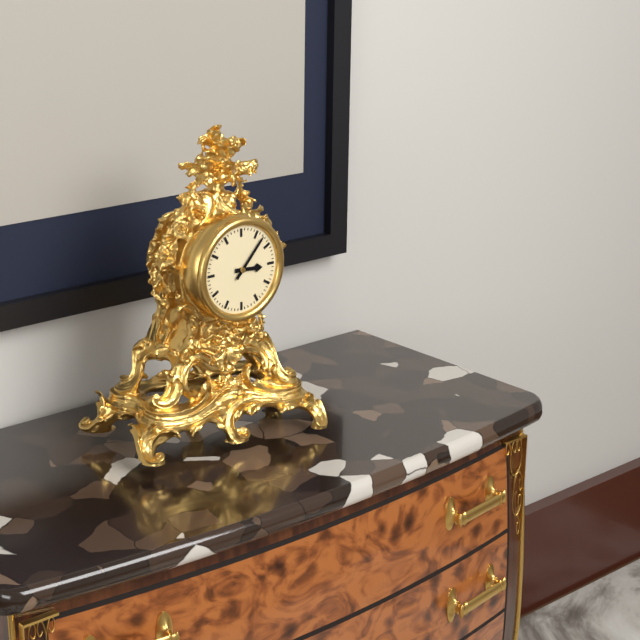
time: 3:07
